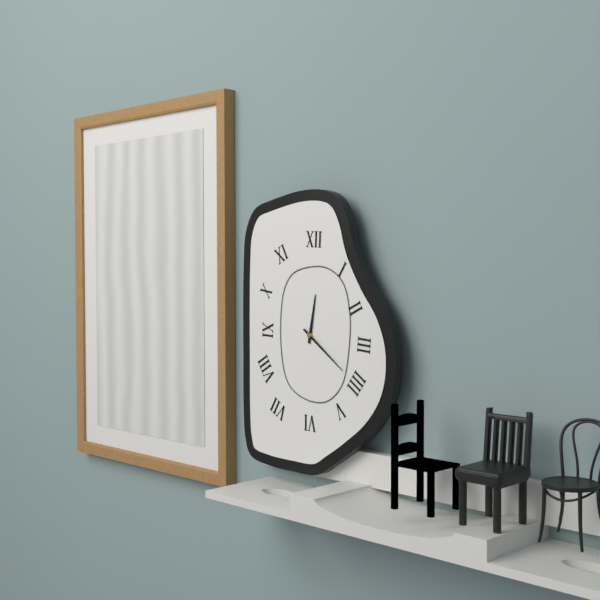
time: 12:21
